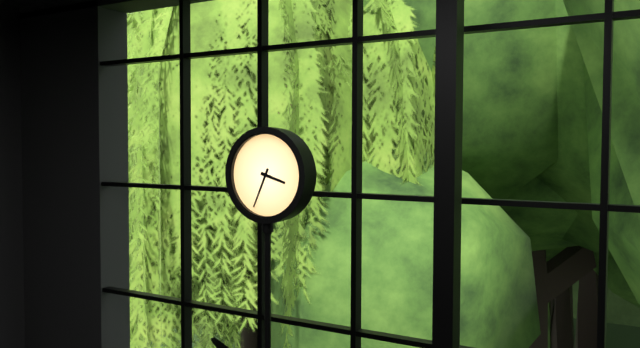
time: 3:34
